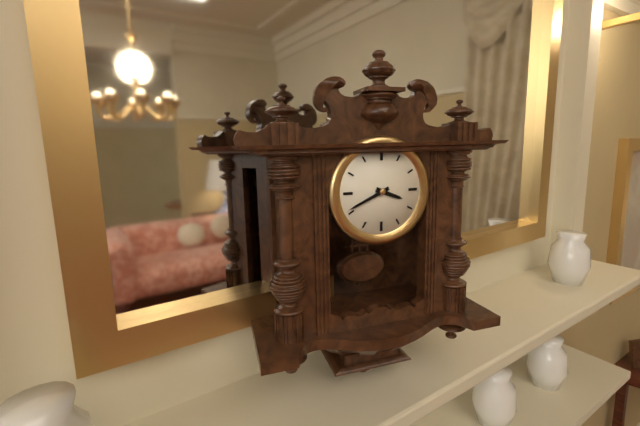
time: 3:41
